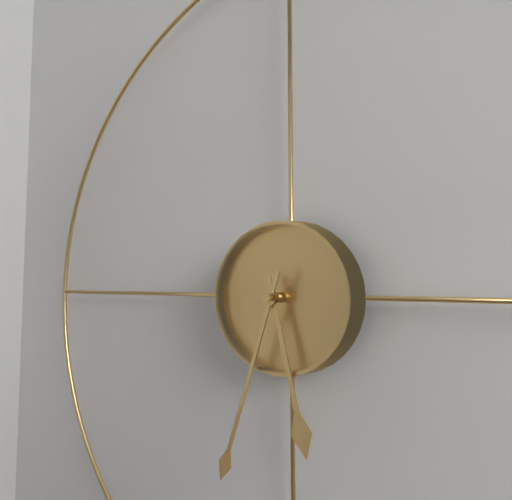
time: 5:33
